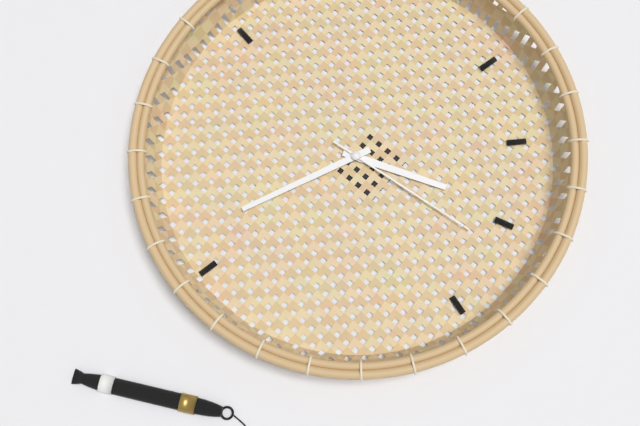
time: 11:19:59
